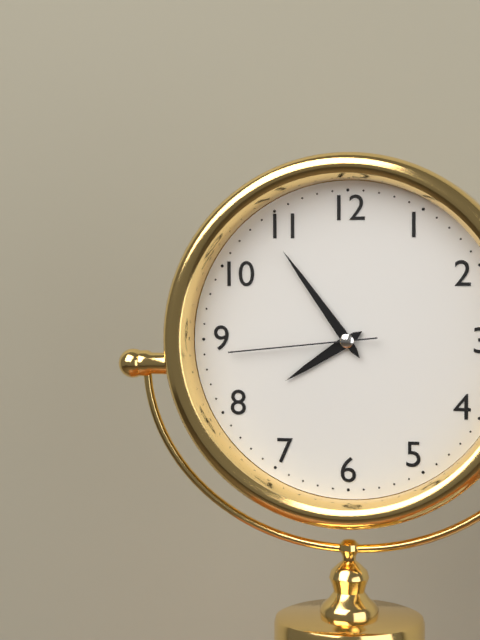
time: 7:54:44
